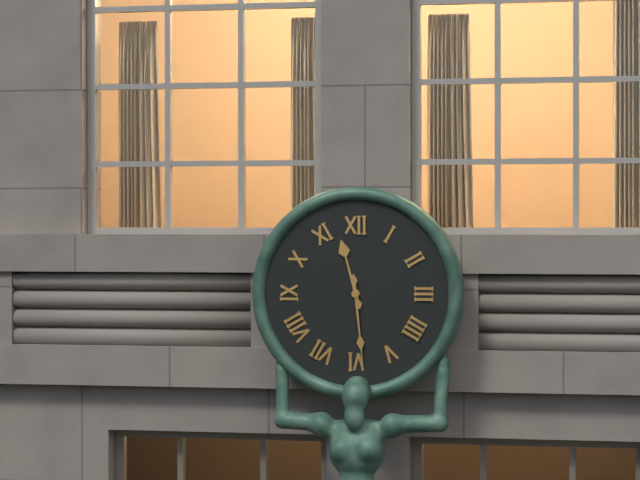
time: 11:29
